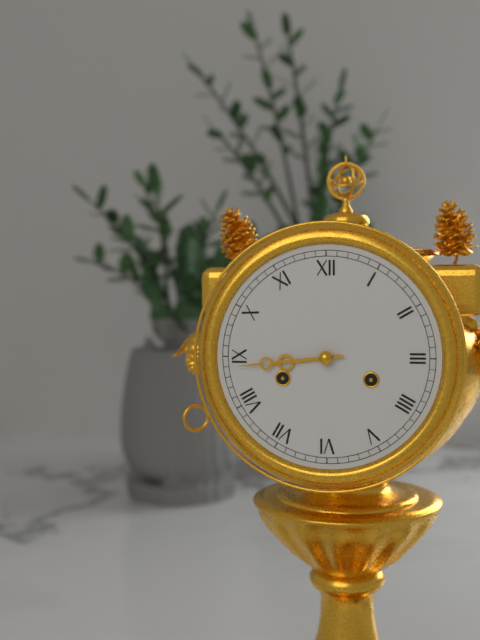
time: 8:44
